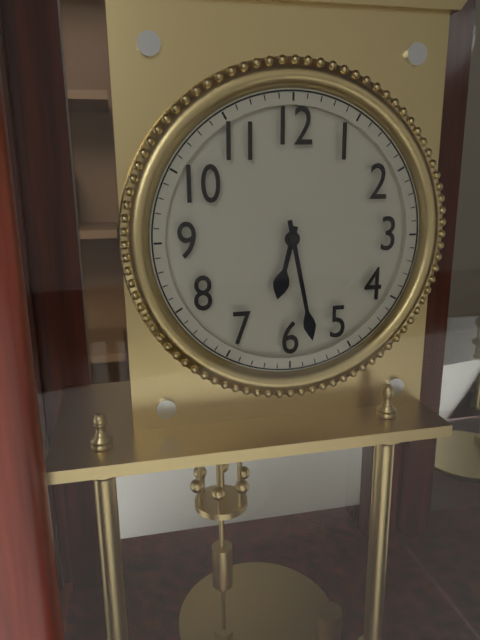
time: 6:28
